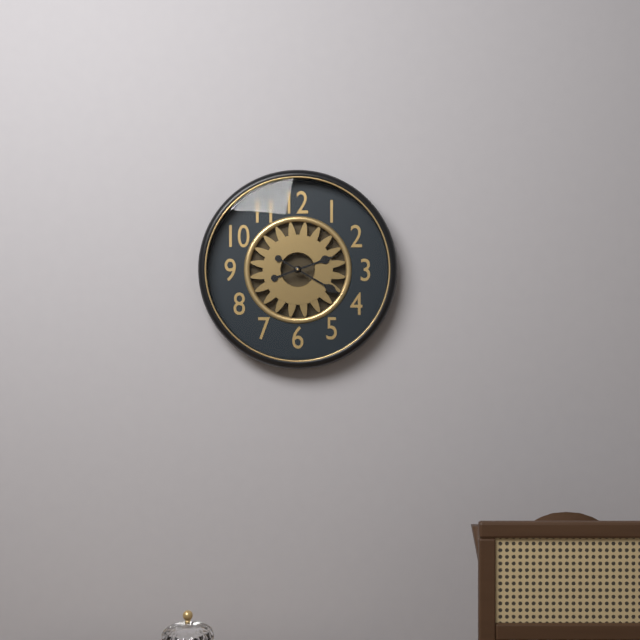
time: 2:20
